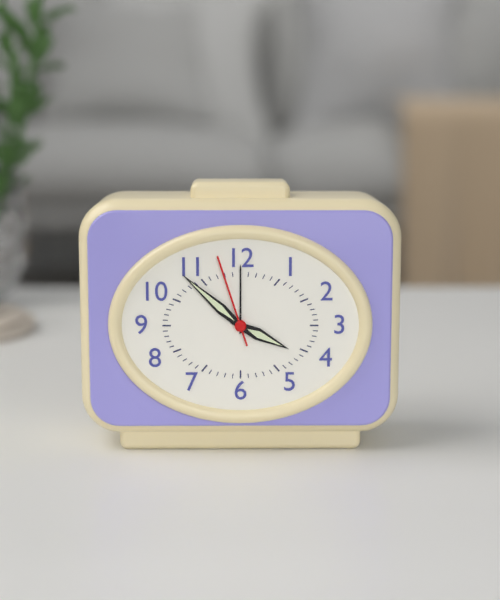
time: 3:52:57
